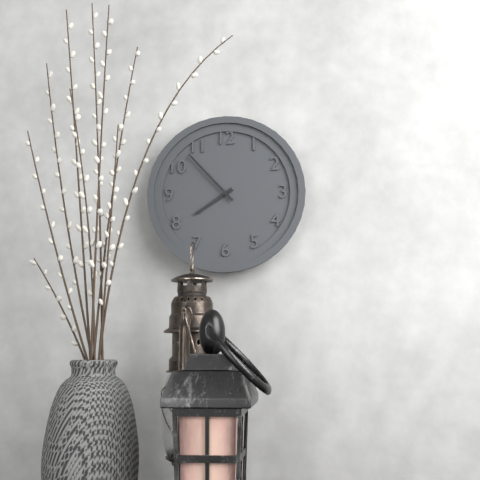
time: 7:53
